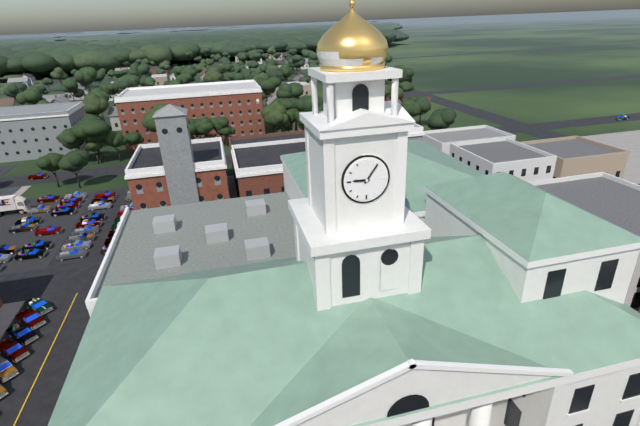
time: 9:06
